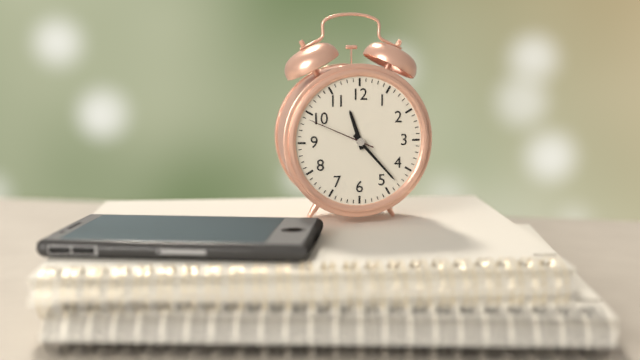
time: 11:23:49
